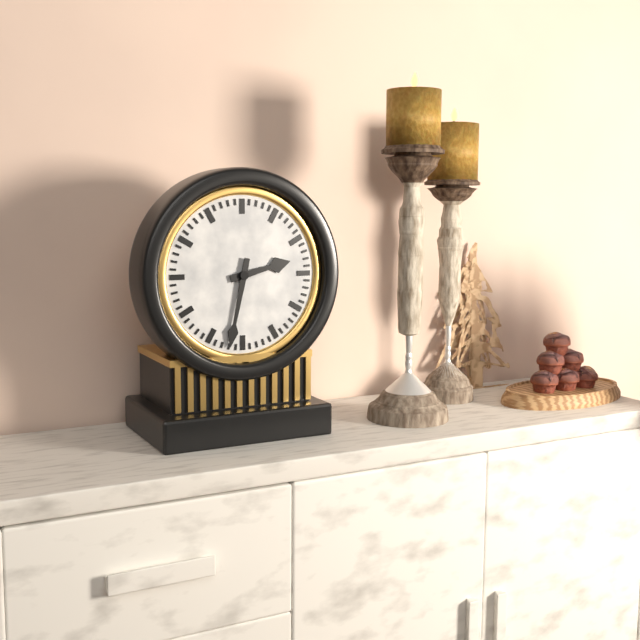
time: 2:32
